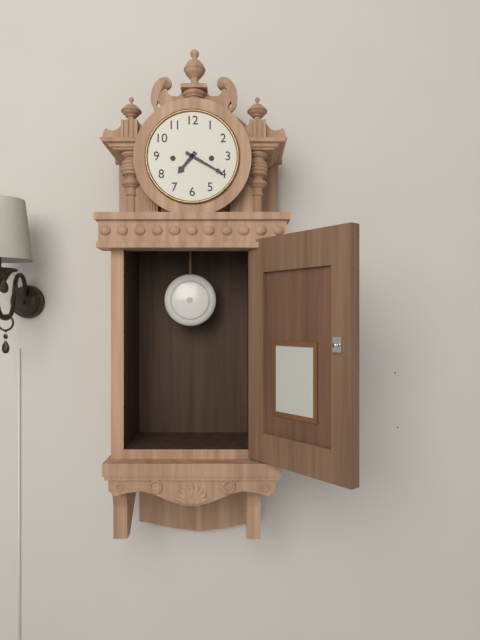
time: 7:20
